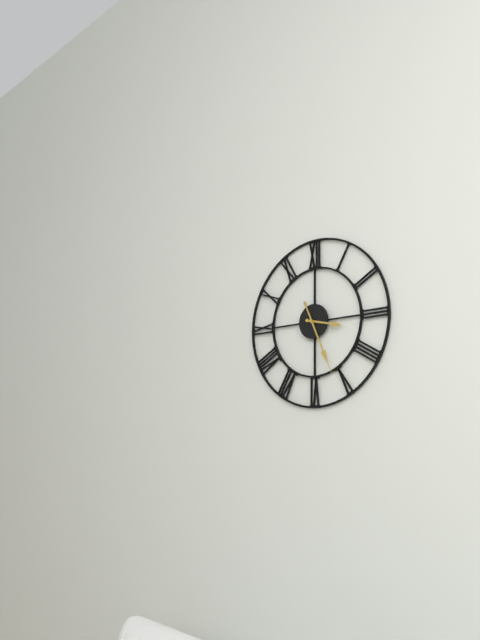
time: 3:26
